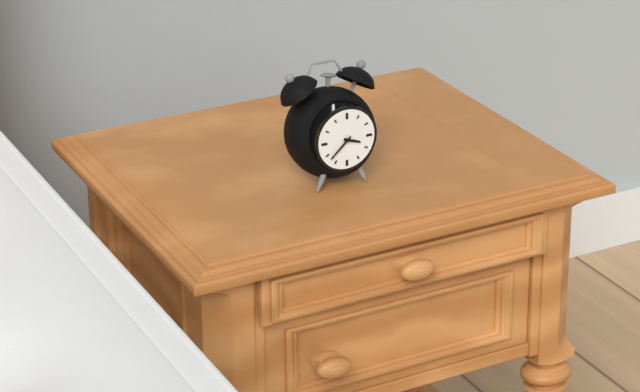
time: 3:38
